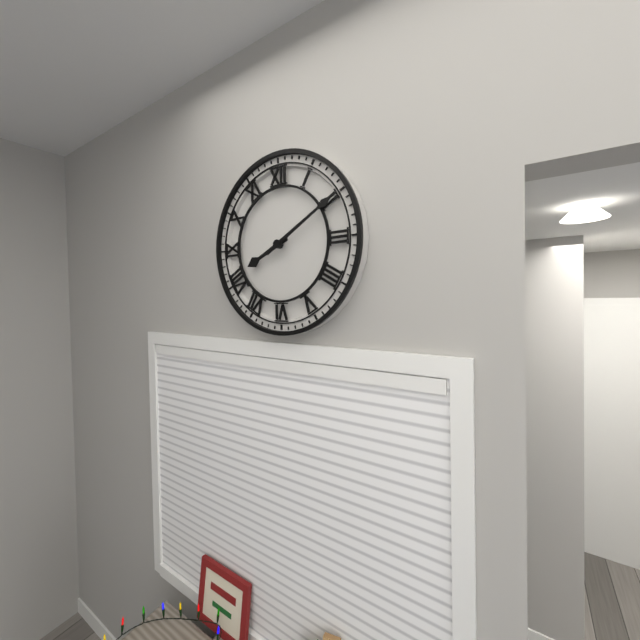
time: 8:10
